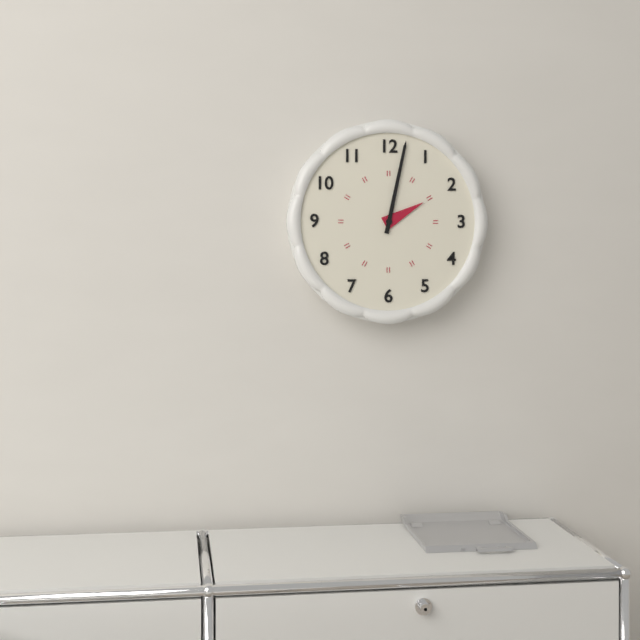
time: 2:02
